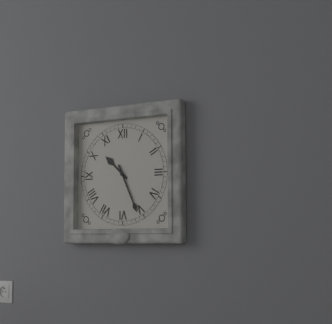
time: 10:26
